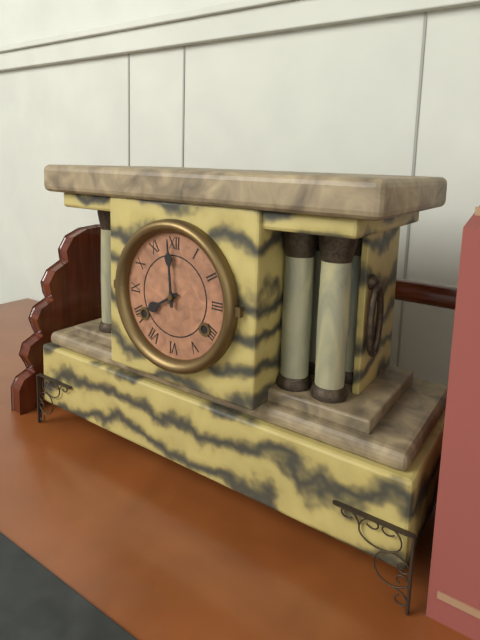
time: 7:59
